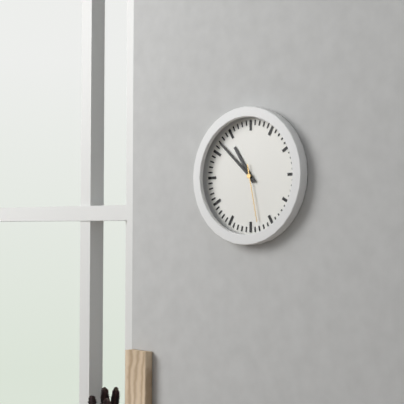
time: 10:52:28
